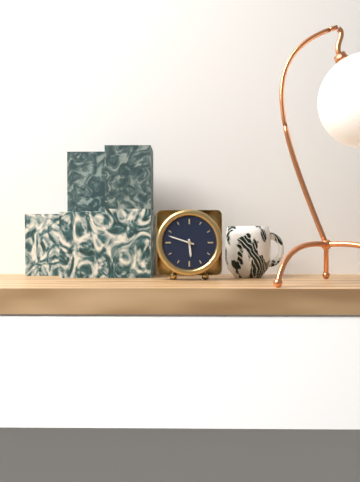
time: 5:48
